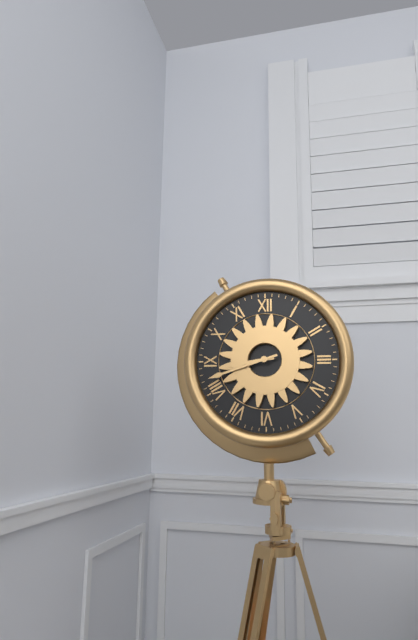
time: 8:42
